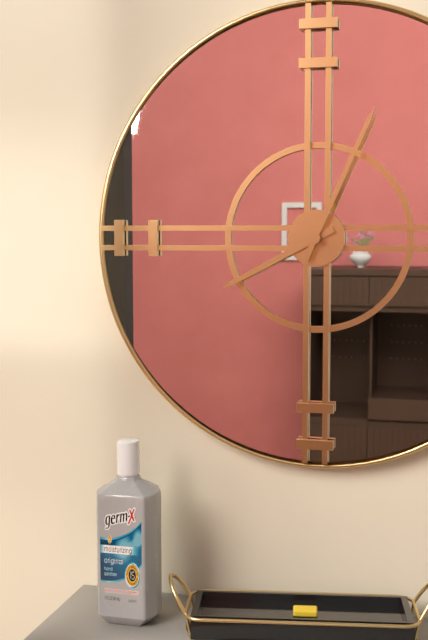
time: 8:04
